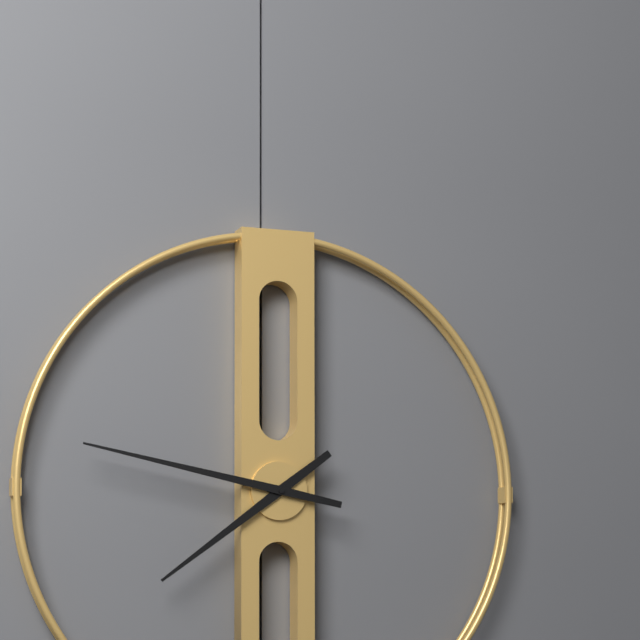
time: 7:47
